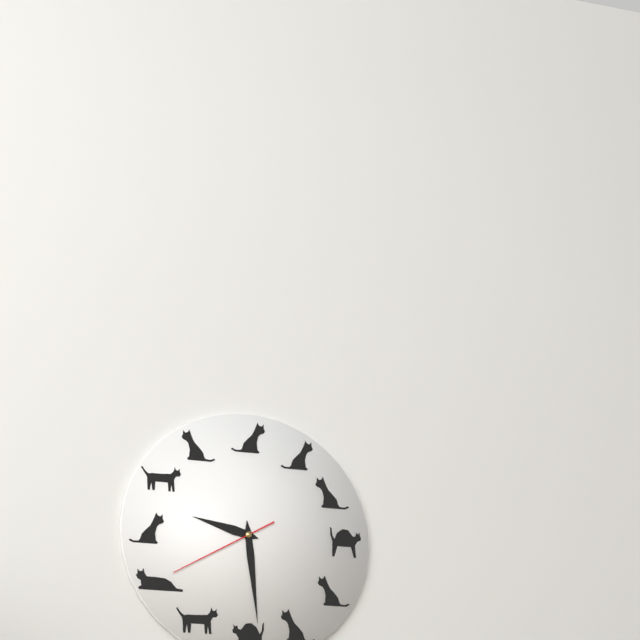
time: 9:29:40
